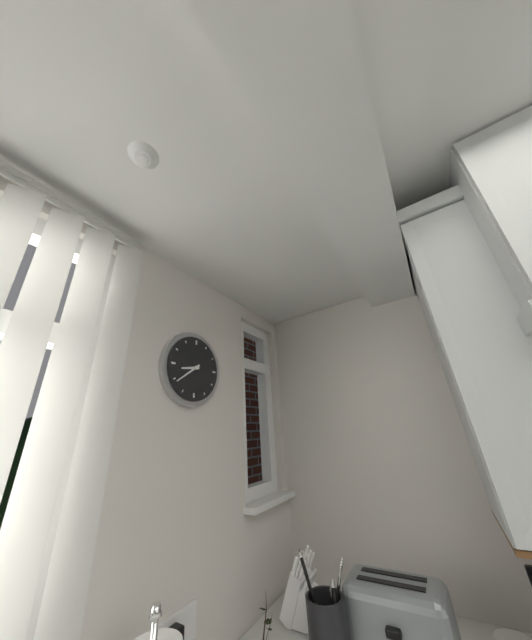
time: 8:39
